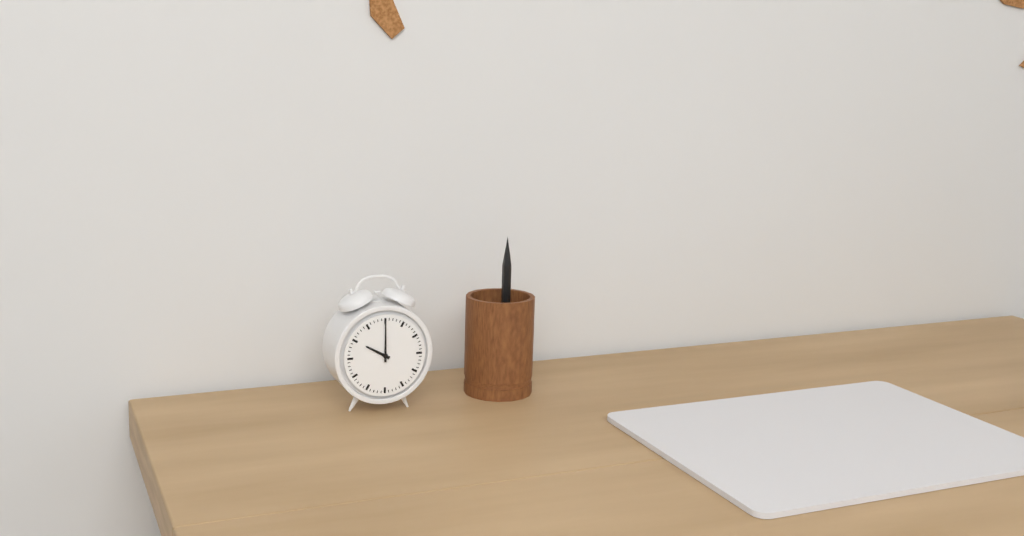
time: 10:00
